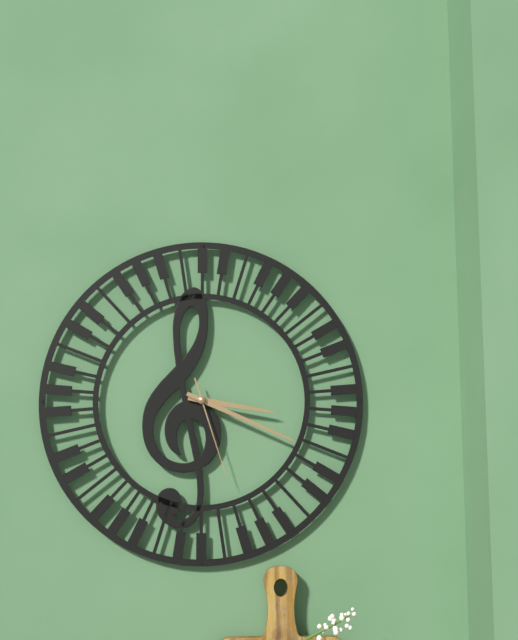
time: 3:19:27
